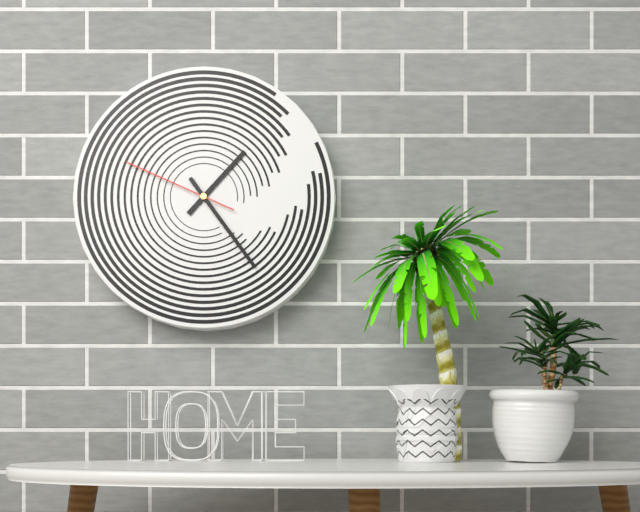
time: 1:24:49
